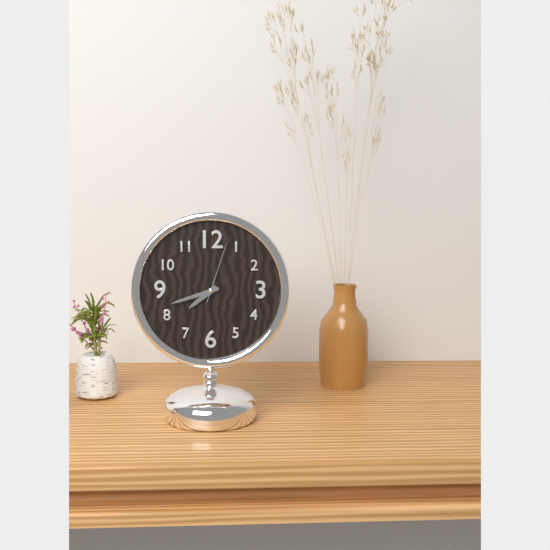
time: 7:42:03
